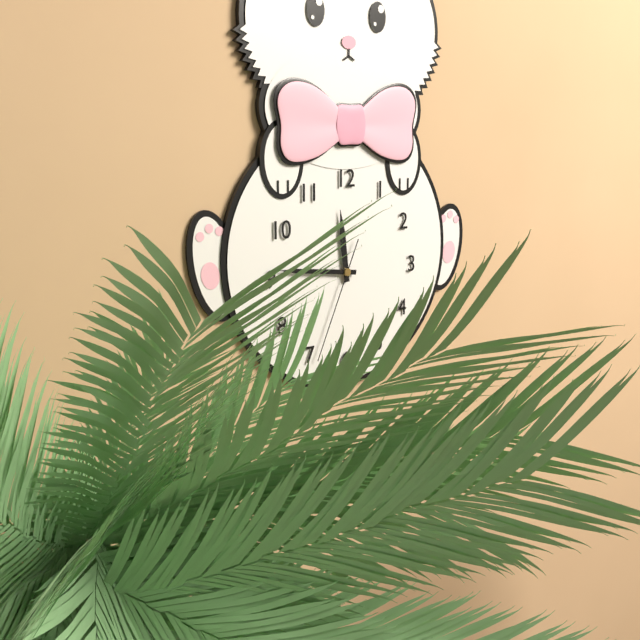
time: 11:46:34
